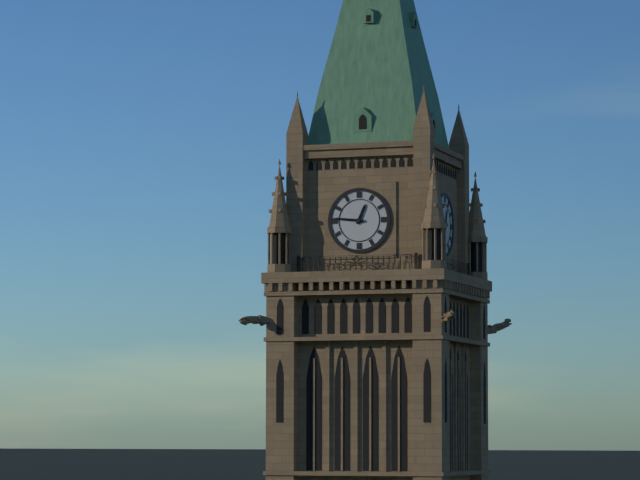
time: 12:46
